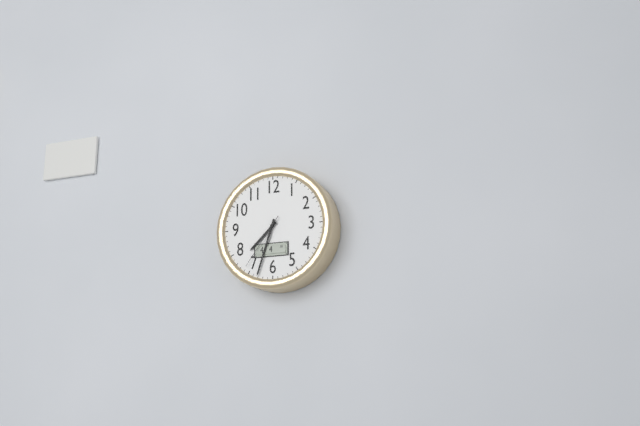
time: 7:33:36
